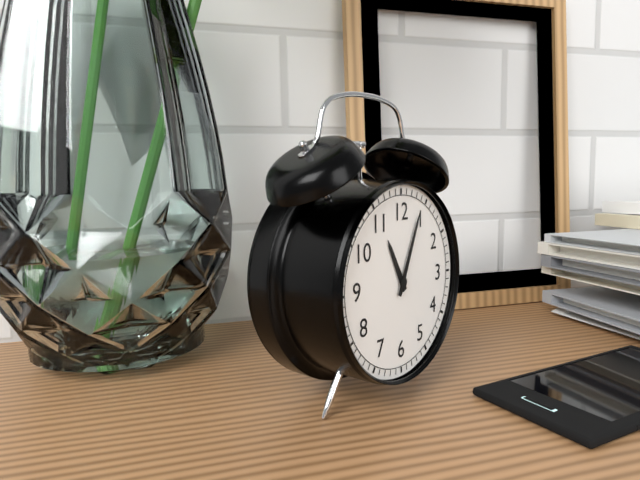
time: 11:04
